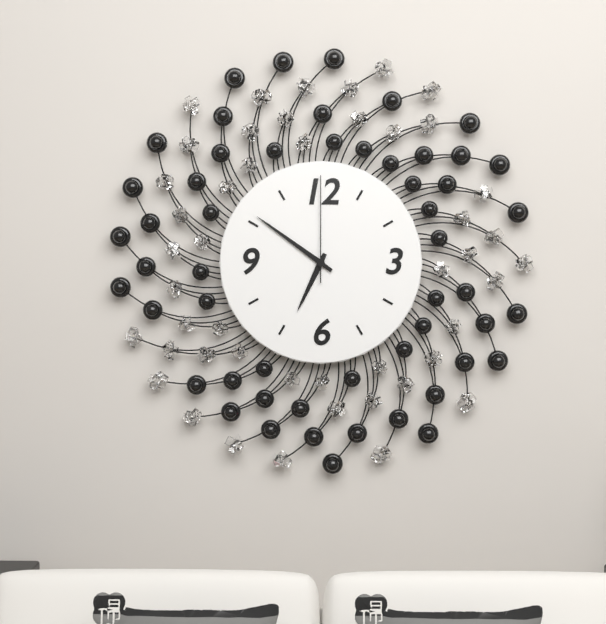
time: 6:51:00
